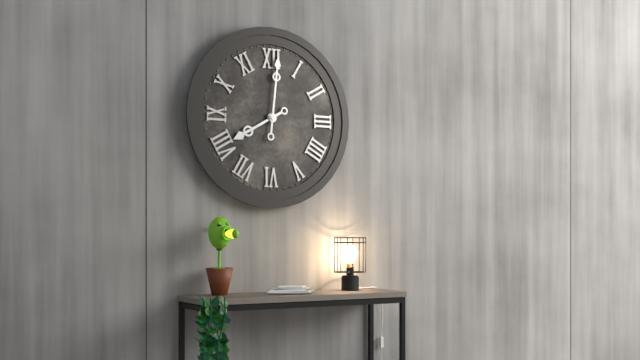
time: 8:01
